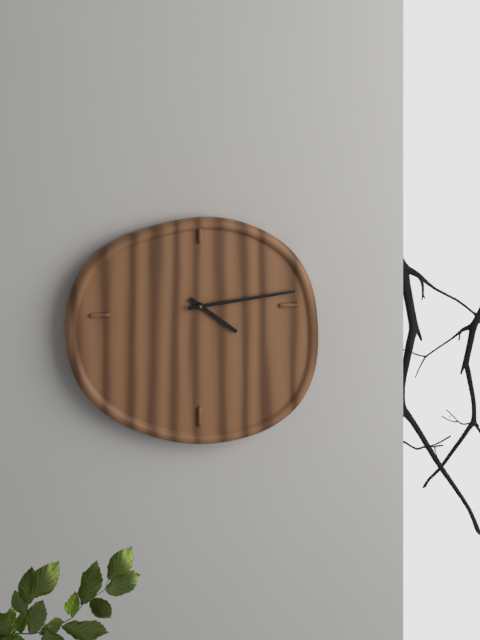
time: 4:14
